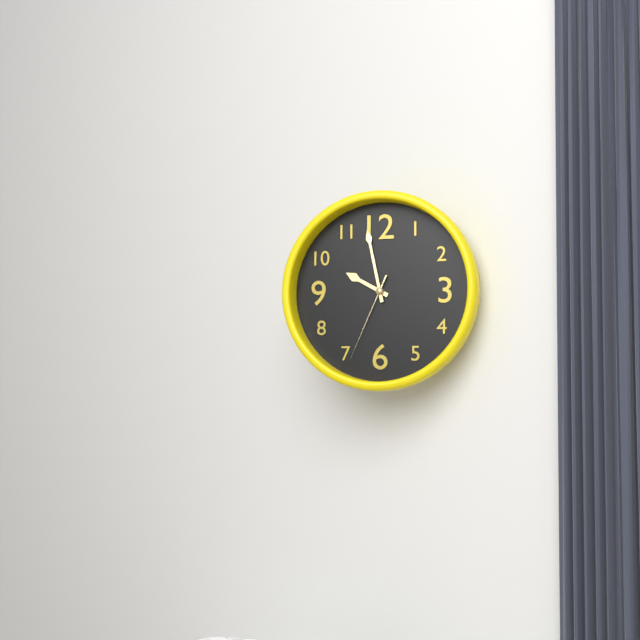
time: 9:58:34
